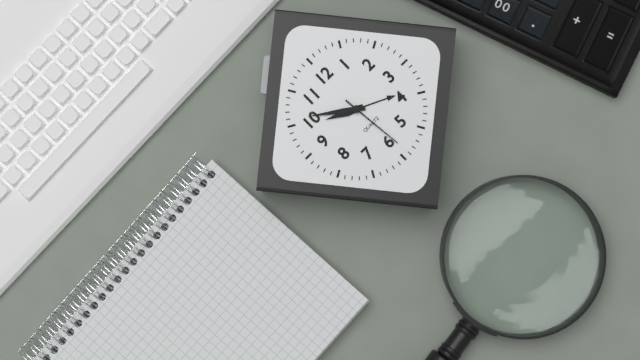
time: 9:51:29
